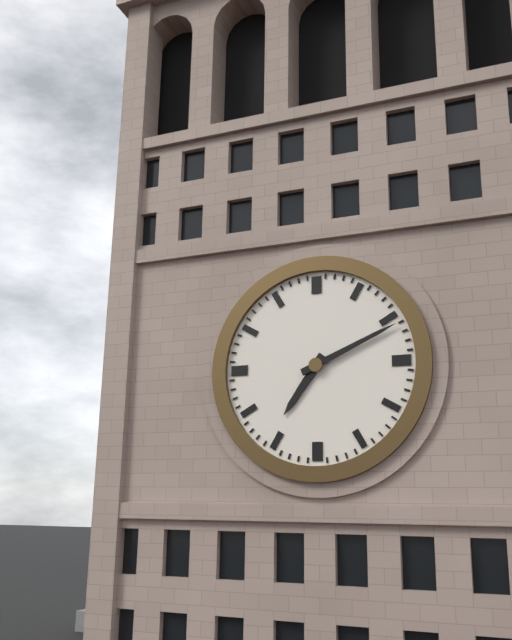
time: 7:11
